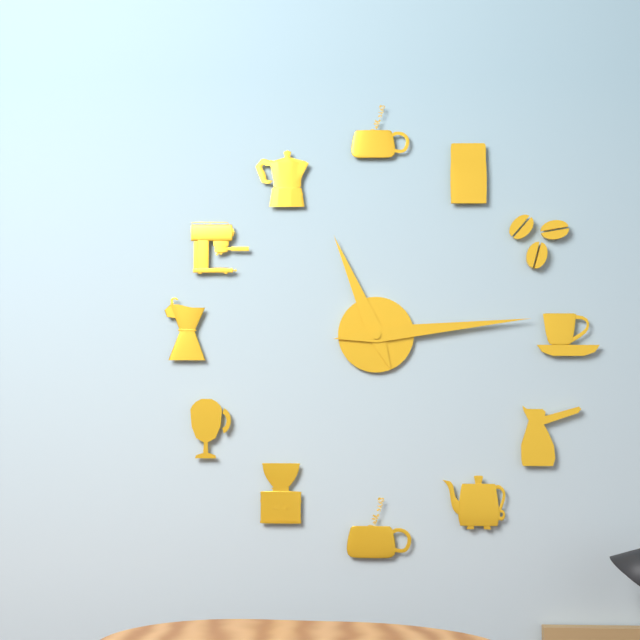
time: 11:14
